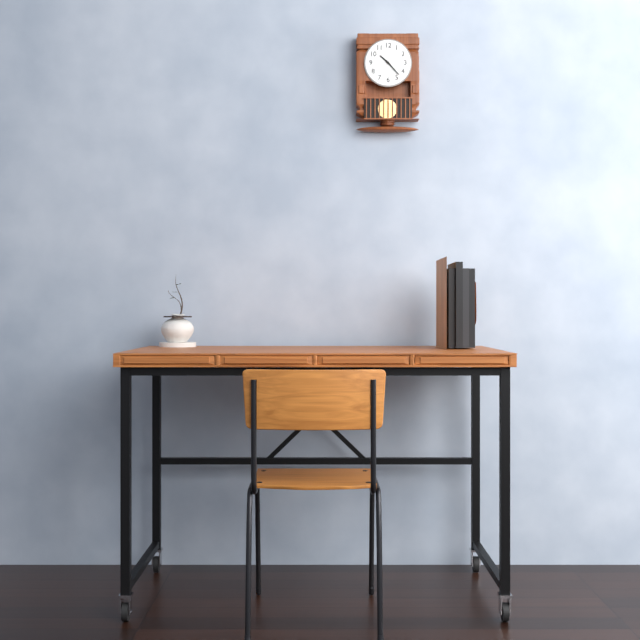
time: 10:23
